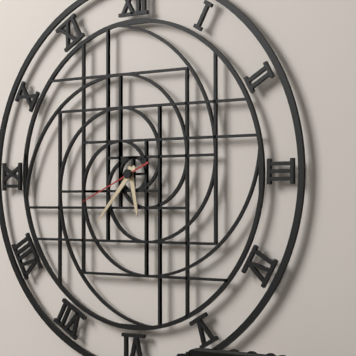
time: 5:37:41
